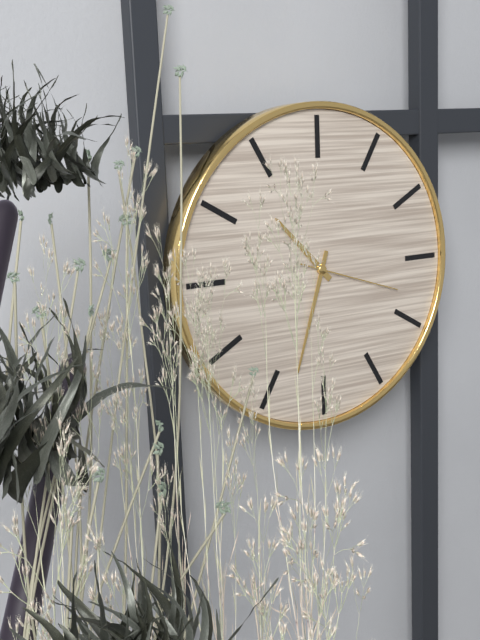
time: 10:33:18
